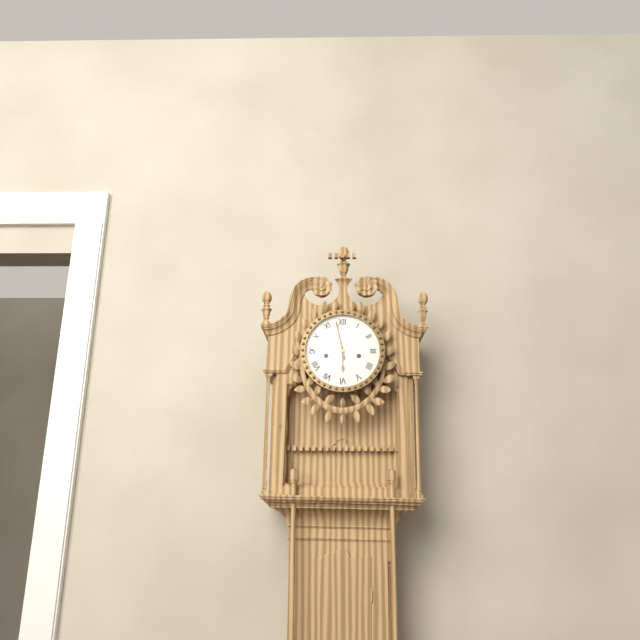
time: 5:58
